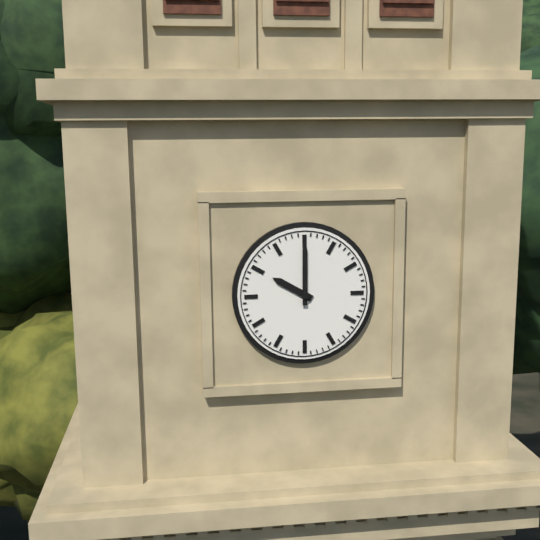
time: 10:00
